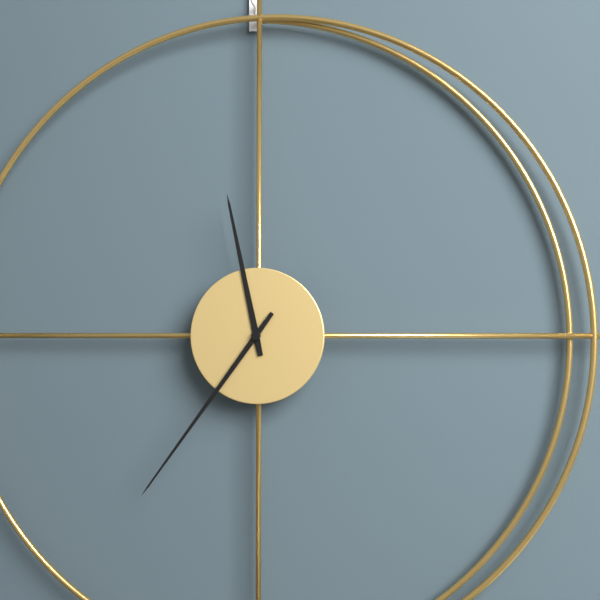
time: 11:36
